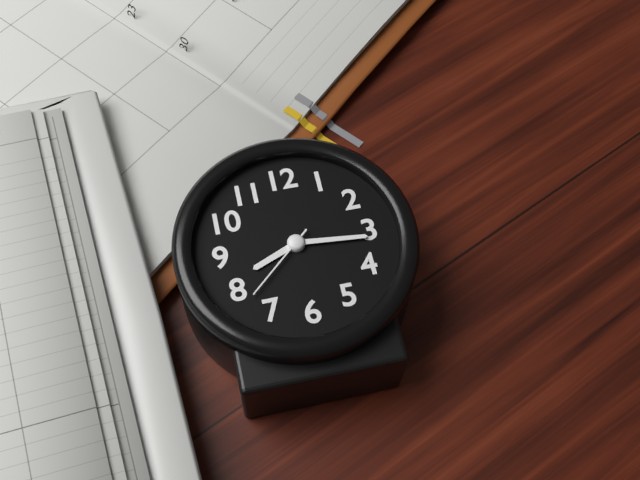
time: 8:16:38
